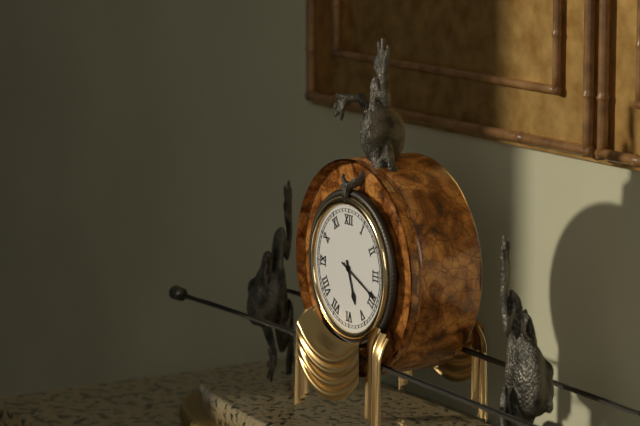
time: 5:19
